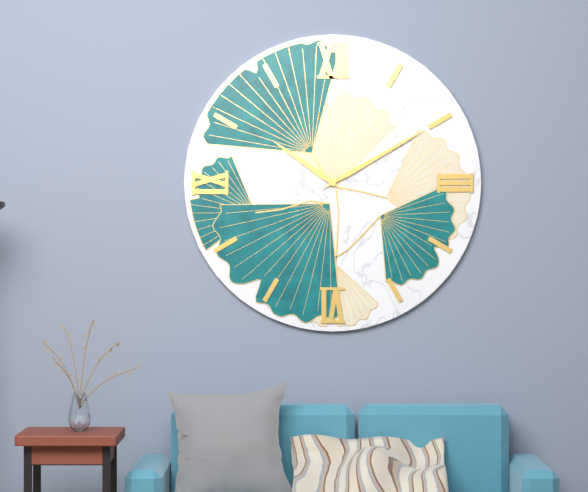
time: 10:10
